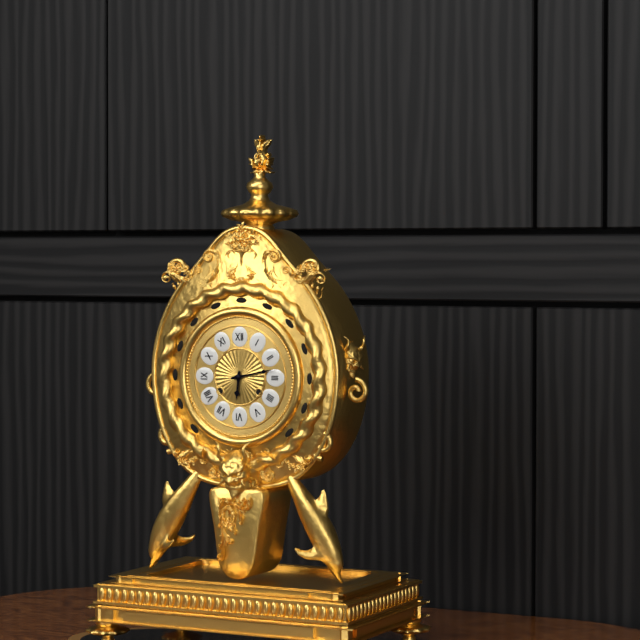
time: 6:13
